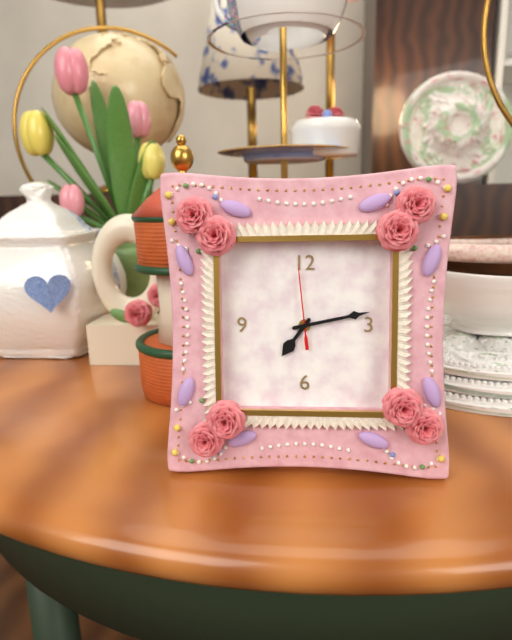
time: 7:13:59
